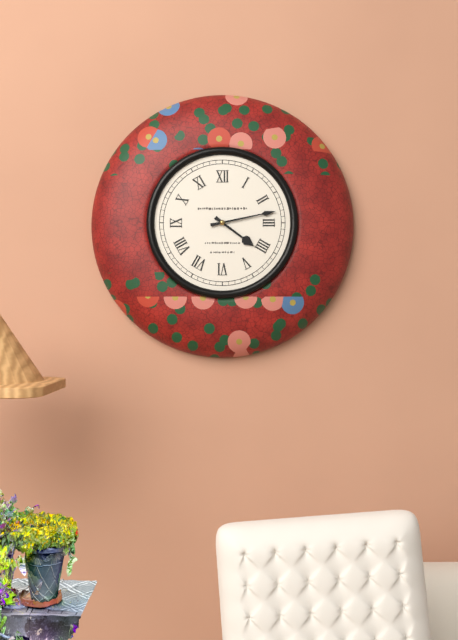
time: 4:13
